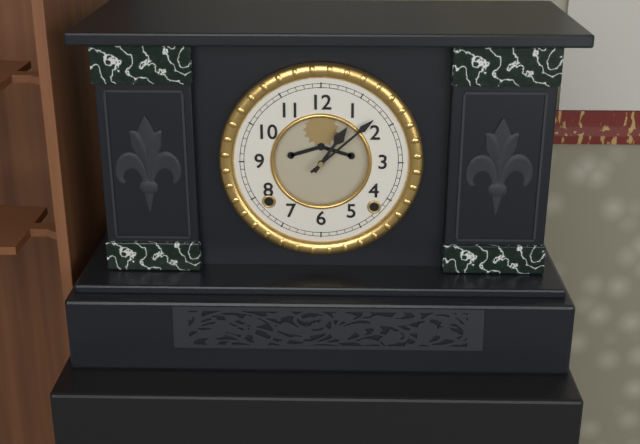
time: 1:08
